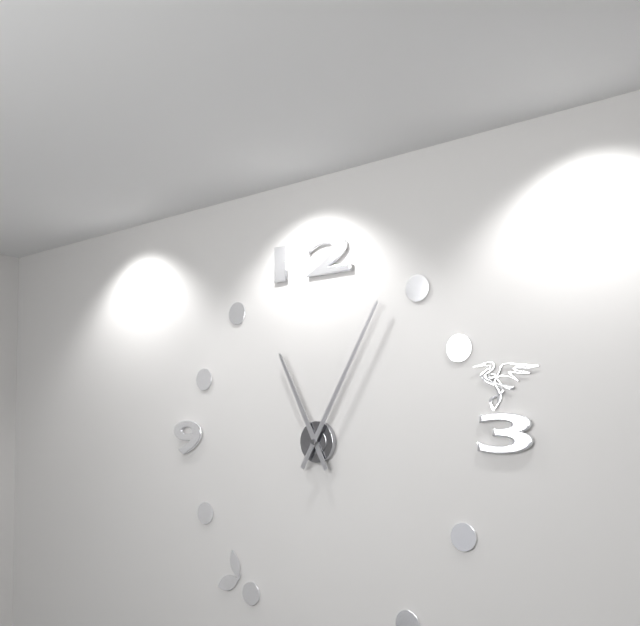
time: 11:05
